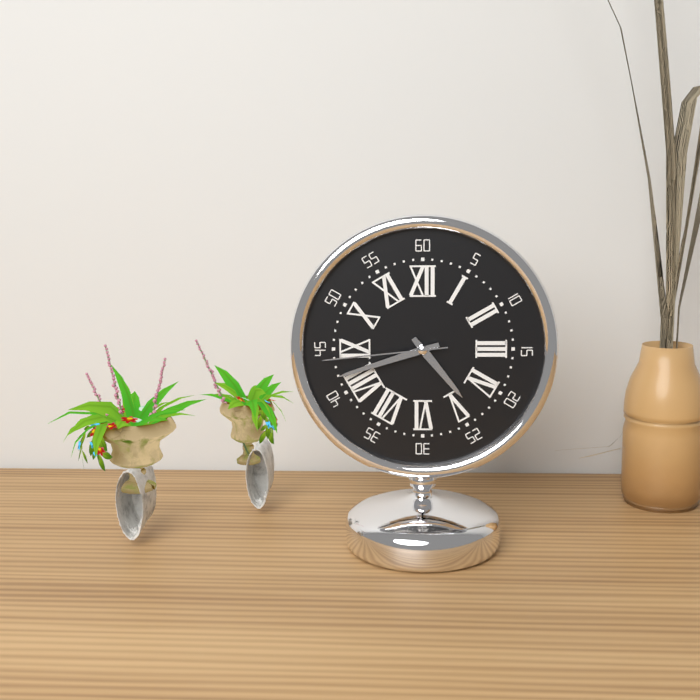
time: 4:42:44
